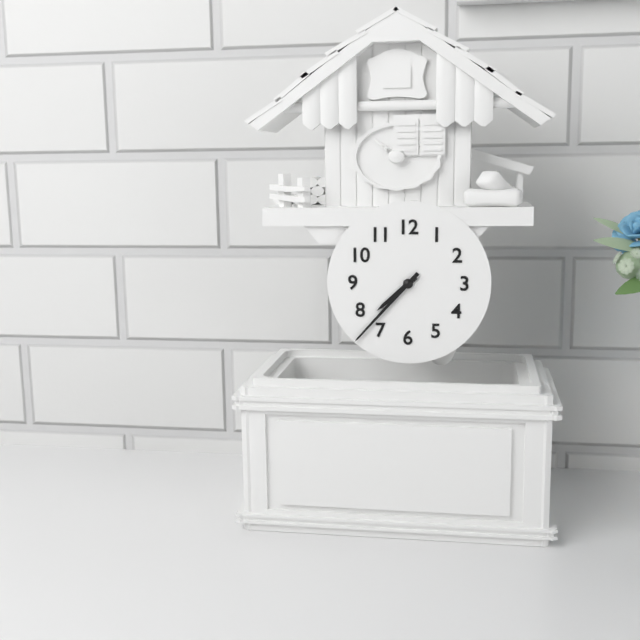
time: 7:37
